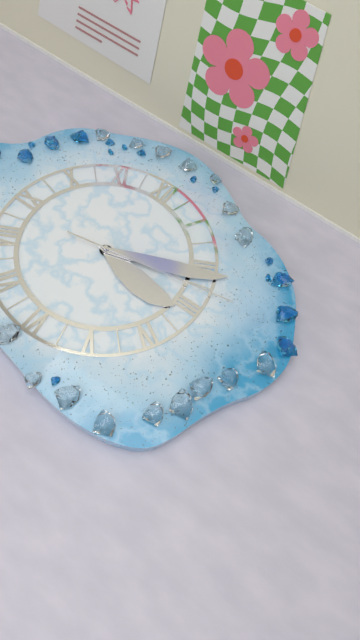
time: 3:11:13
